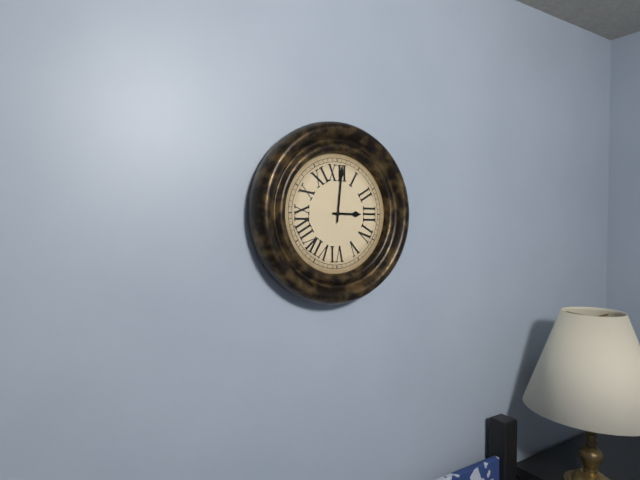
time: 3:01
